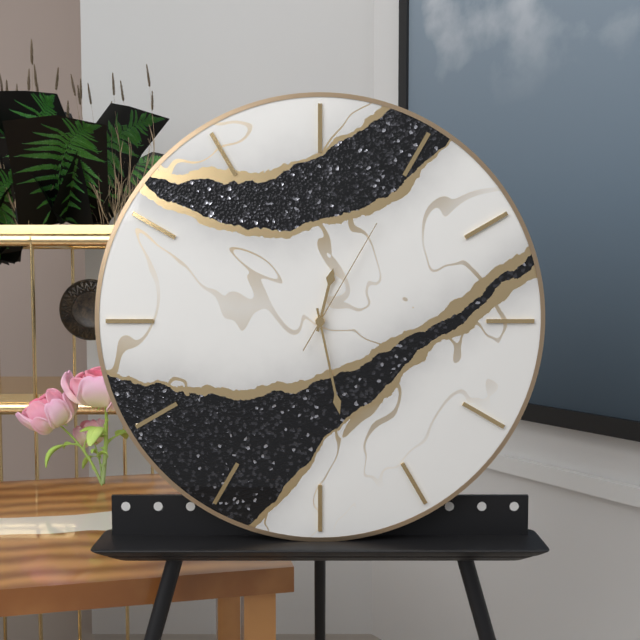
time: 12:28:05
